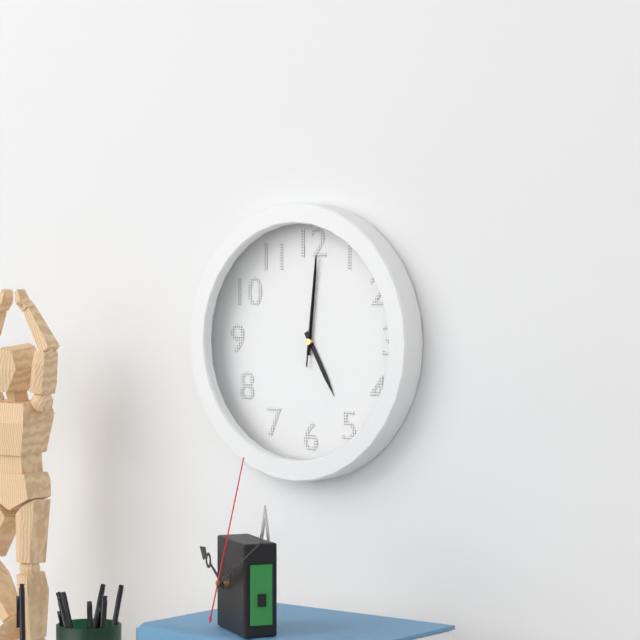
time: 5:01:01
